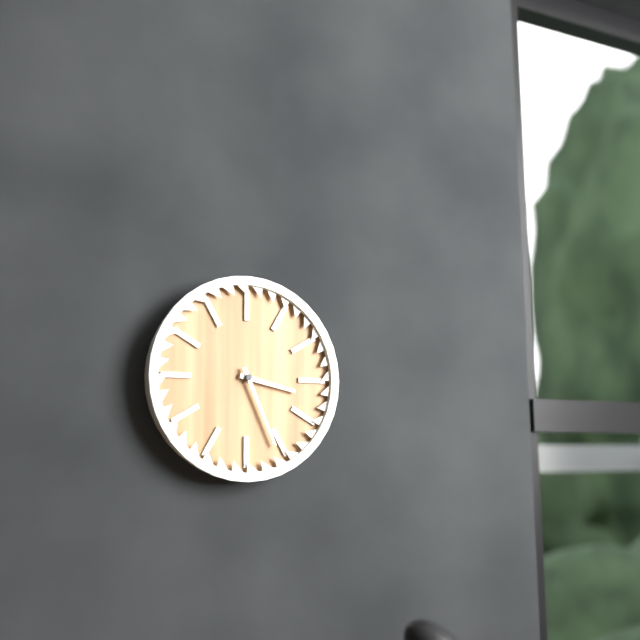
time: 3:26
